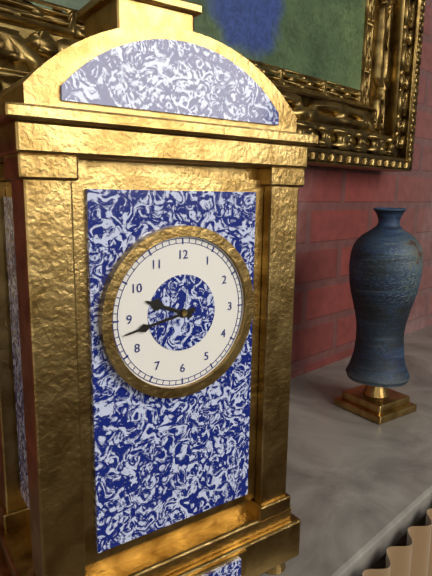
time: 9:43
